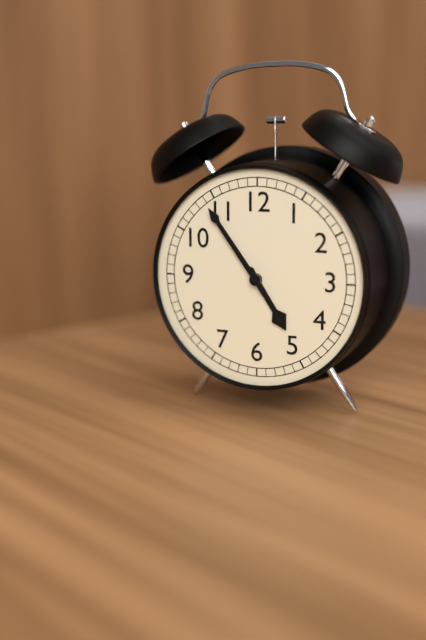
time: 4:54
